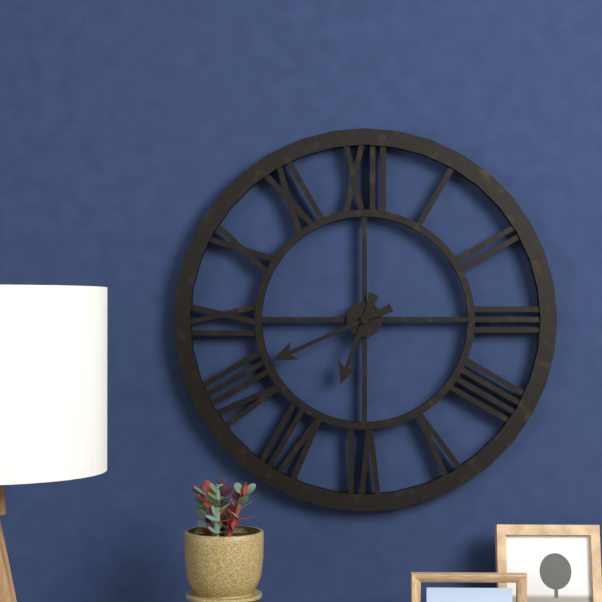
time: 6:41
